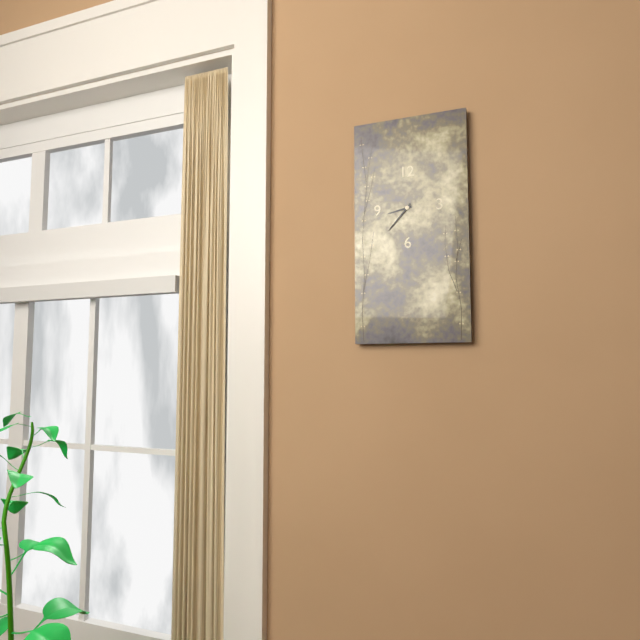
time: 8:37
